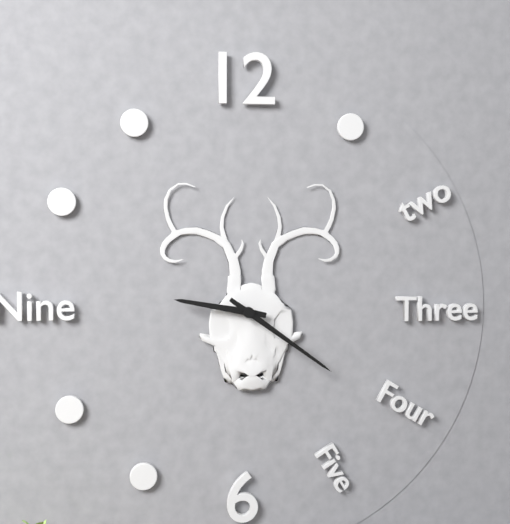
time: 9:21
